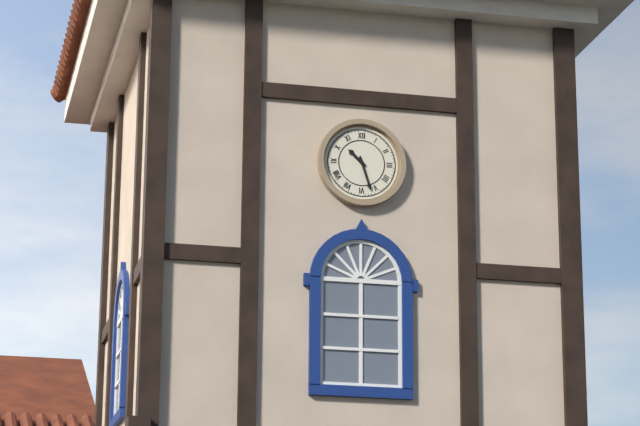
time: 10:27
